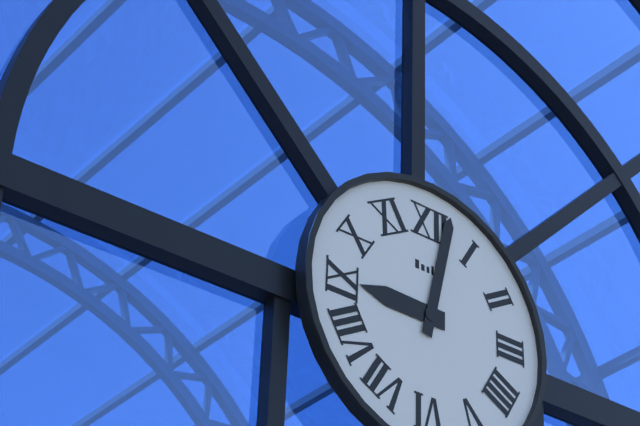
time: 9:02
